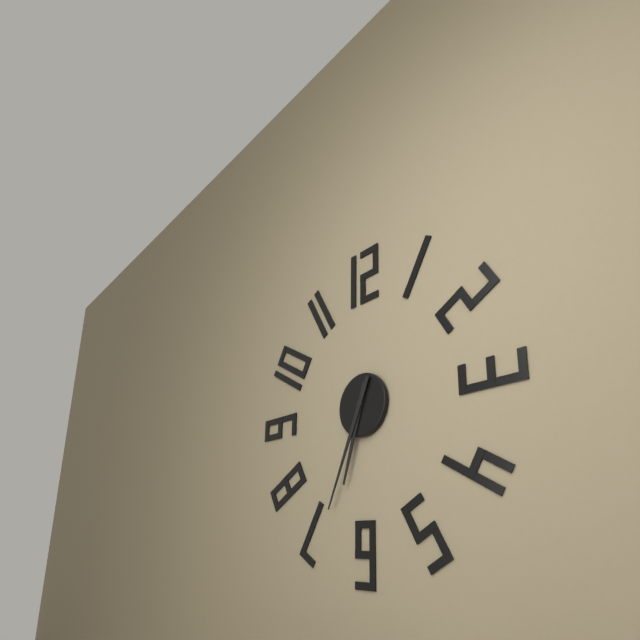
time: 6:34
